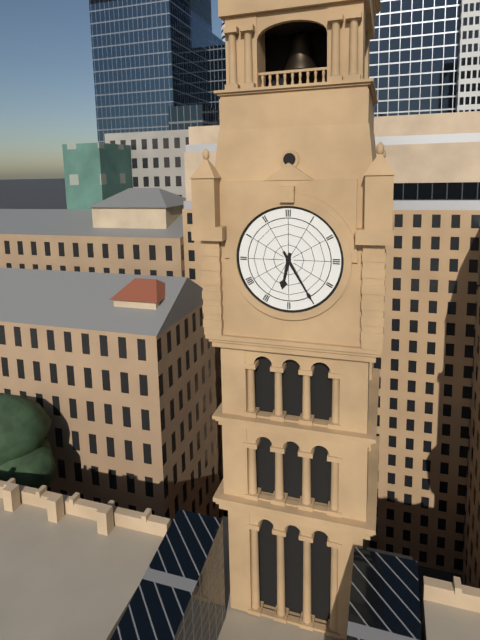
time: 6:25
